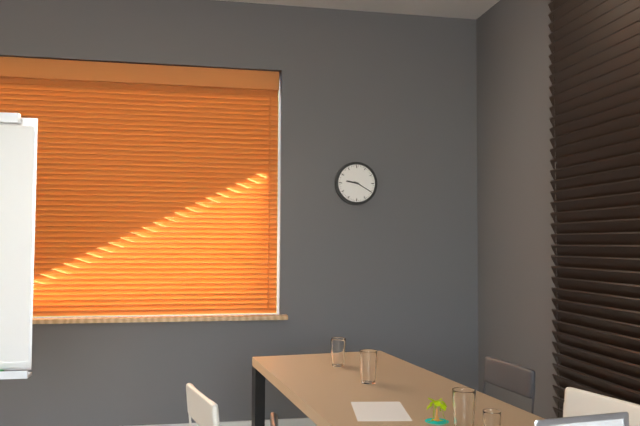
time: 9:20
